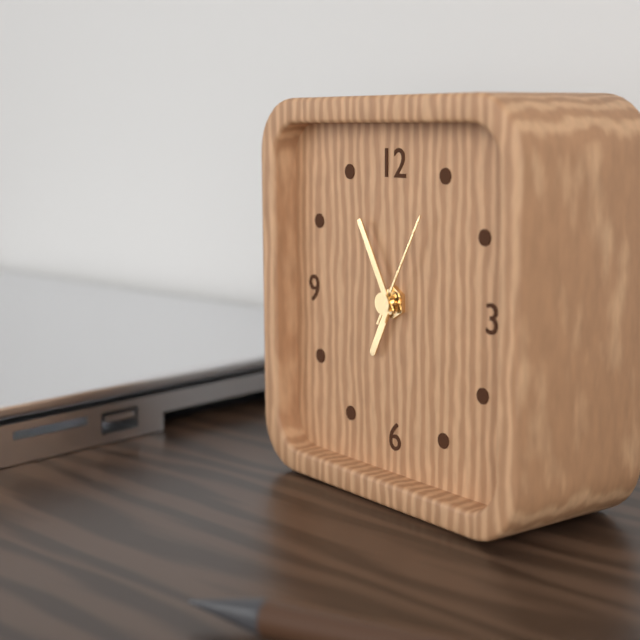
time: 6:55:05
